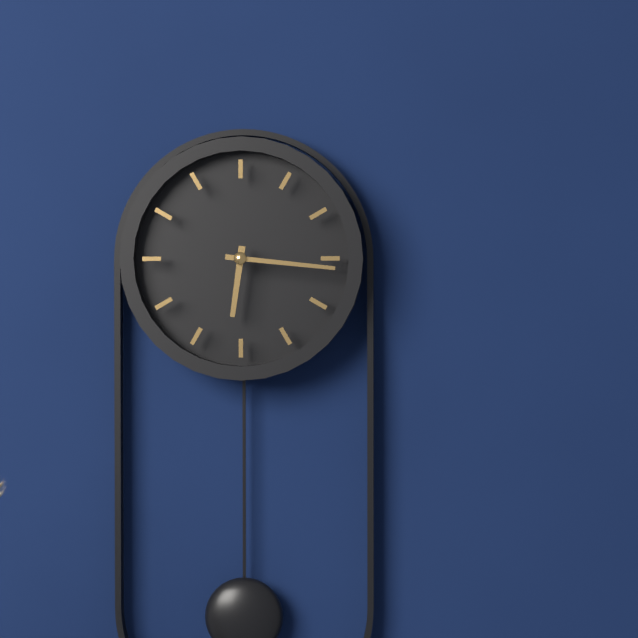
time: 6:16
